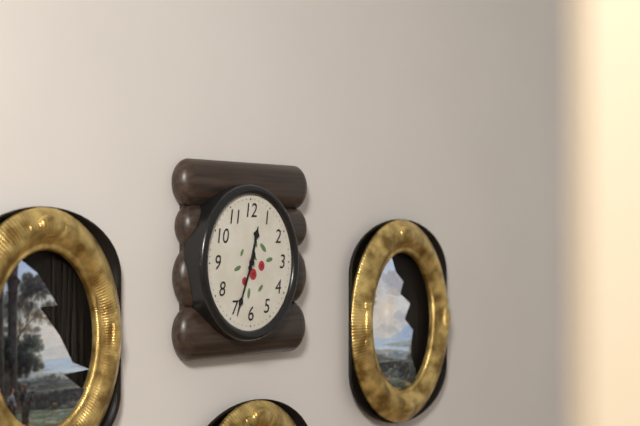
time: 12:34
